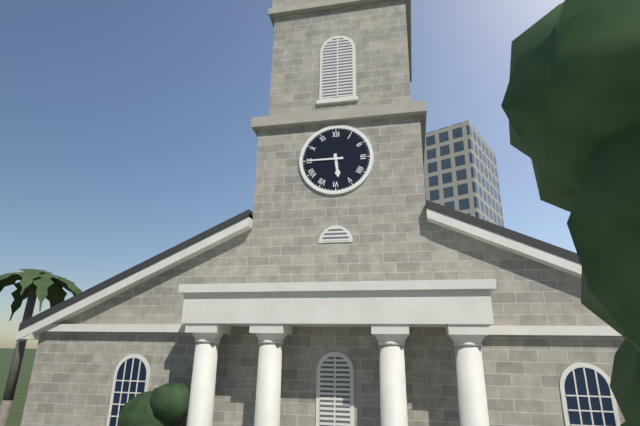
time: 5:45
